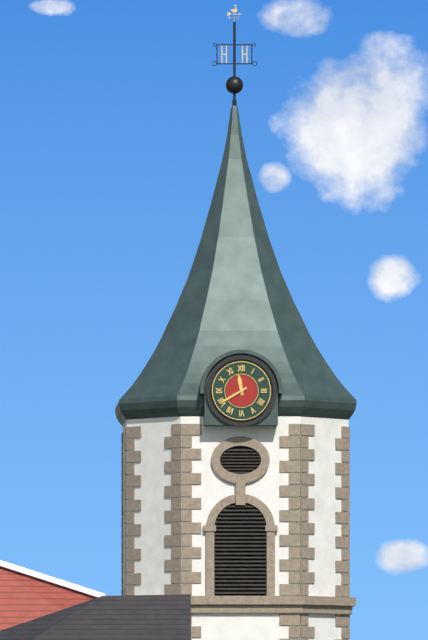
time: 11:40
